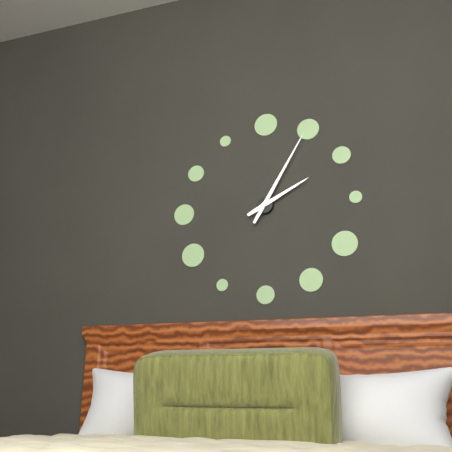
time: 2:05
